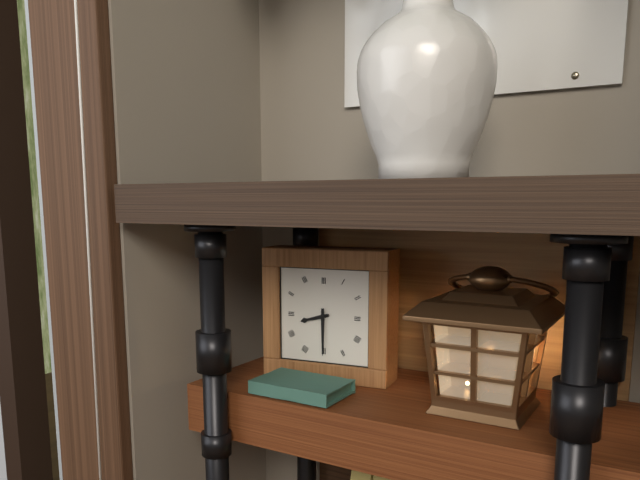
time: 8:30
